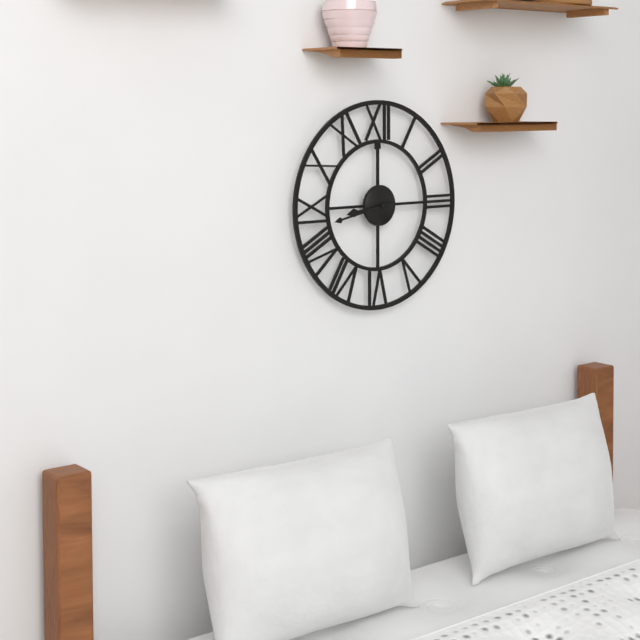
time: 8:43
